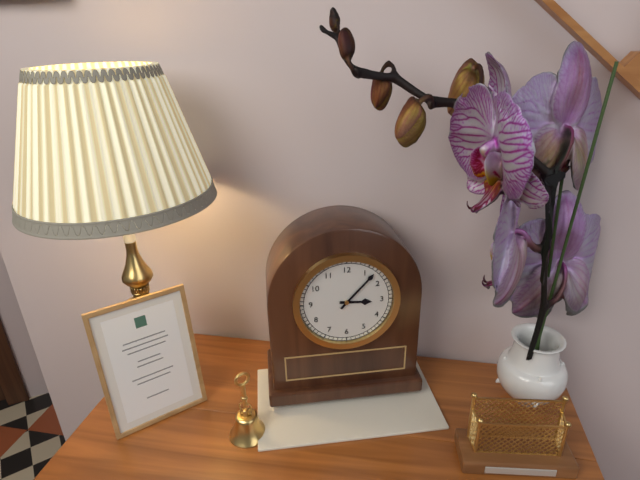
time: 3:07
